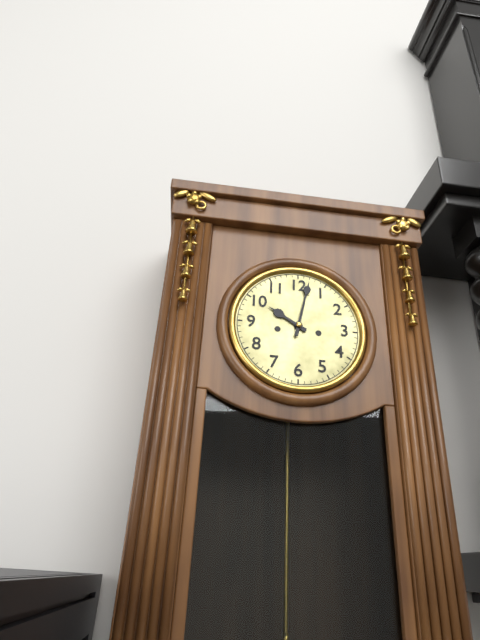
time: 10:02
